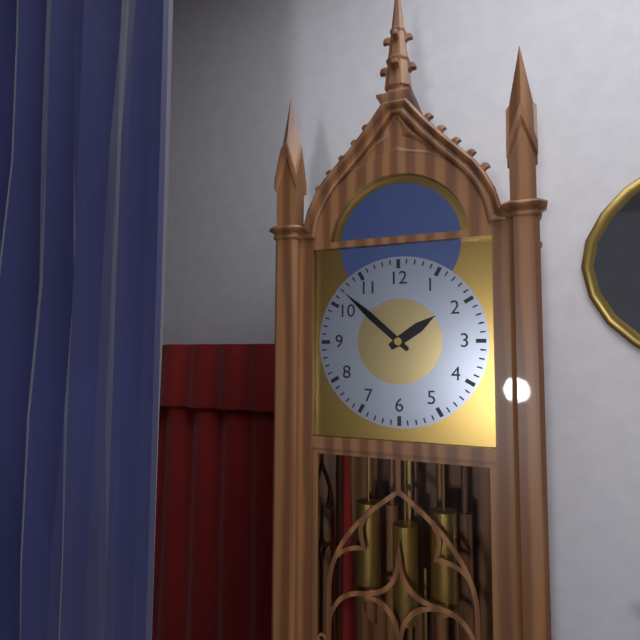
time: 1:52
